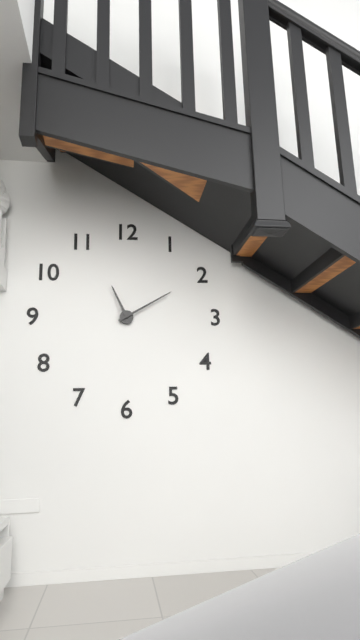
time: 11:10
